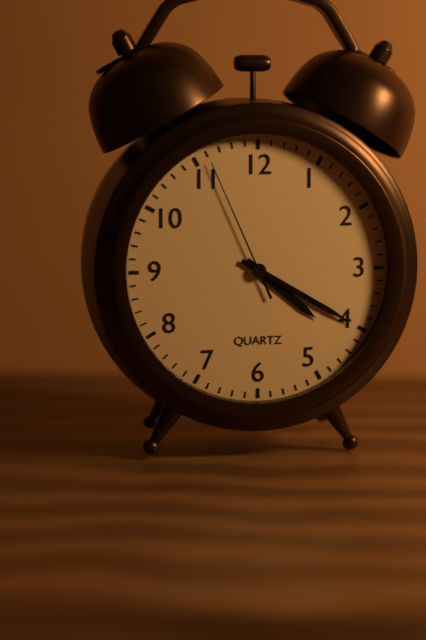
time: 4:20:56
